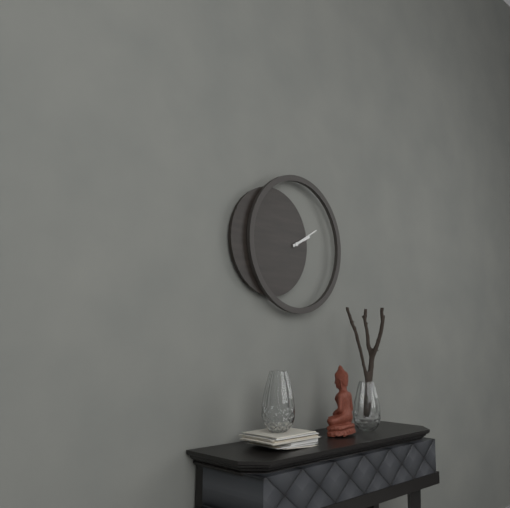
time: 2:10
